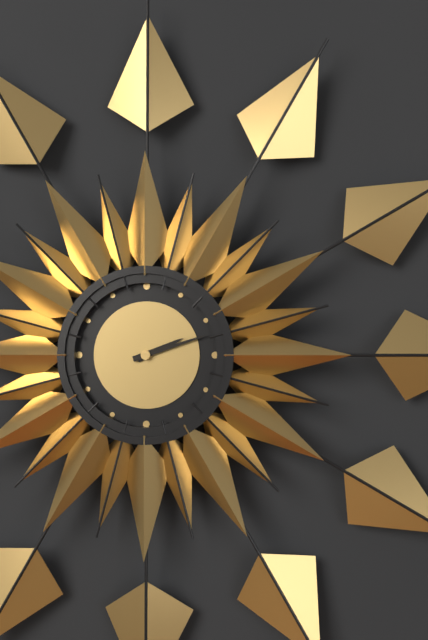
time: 2:12
